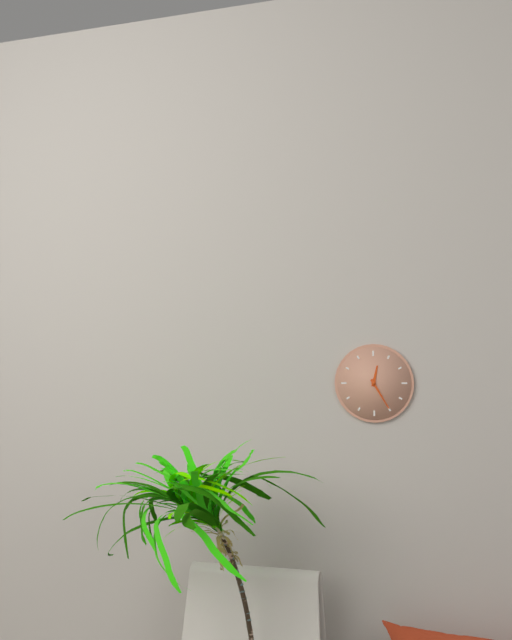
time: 12:25
